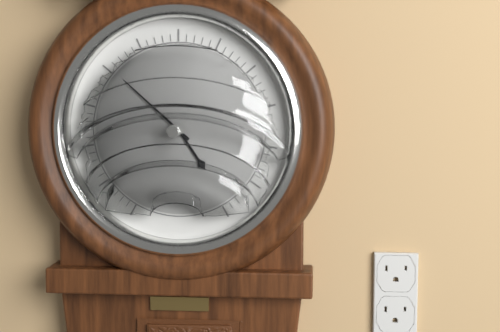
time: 4:52
